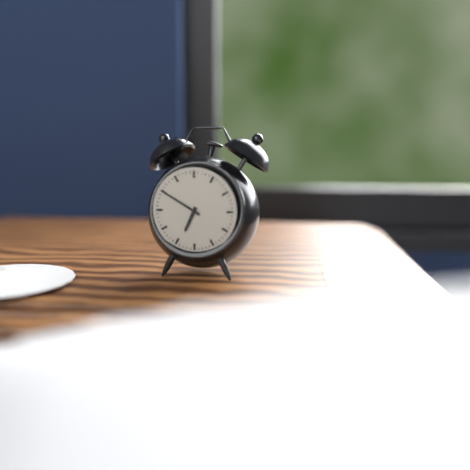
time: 6:50
